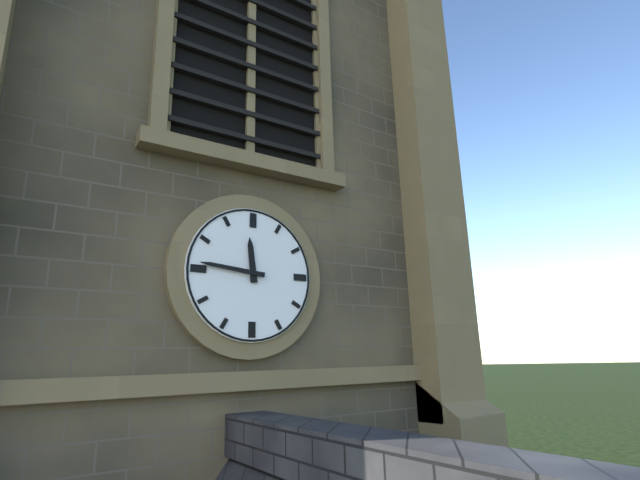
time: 11:46
